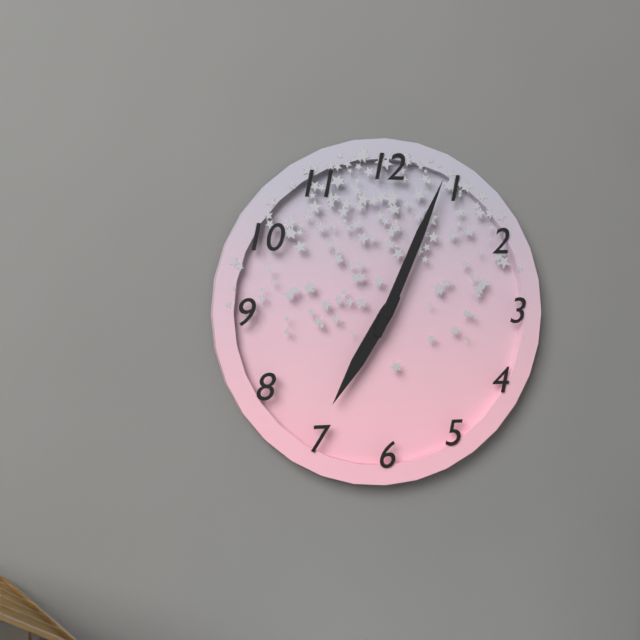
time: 7:04
